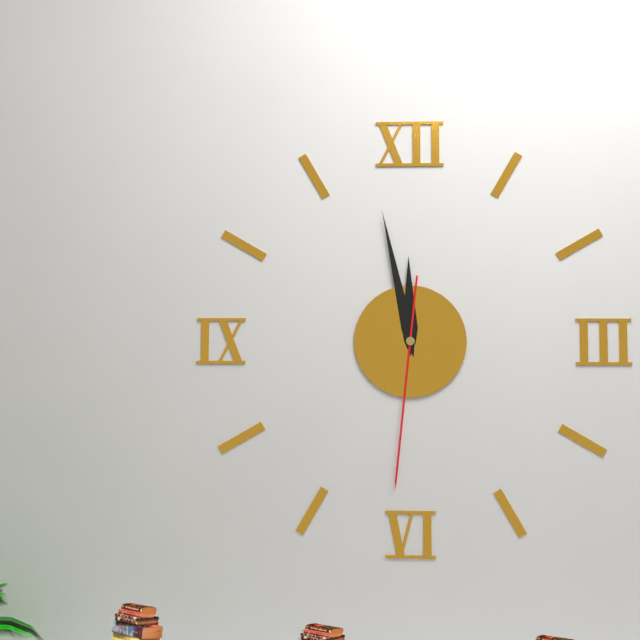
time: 11:58:31
